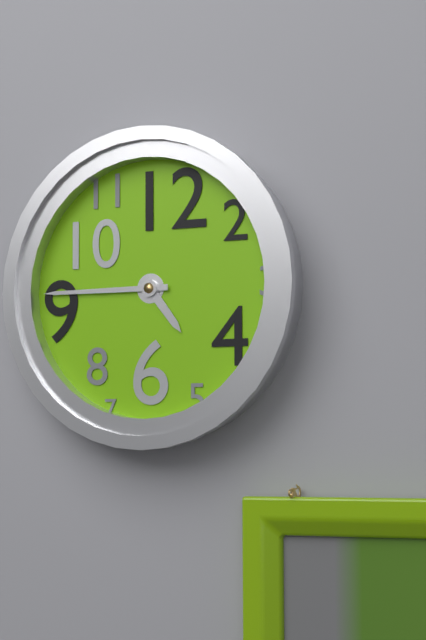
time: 4:45
